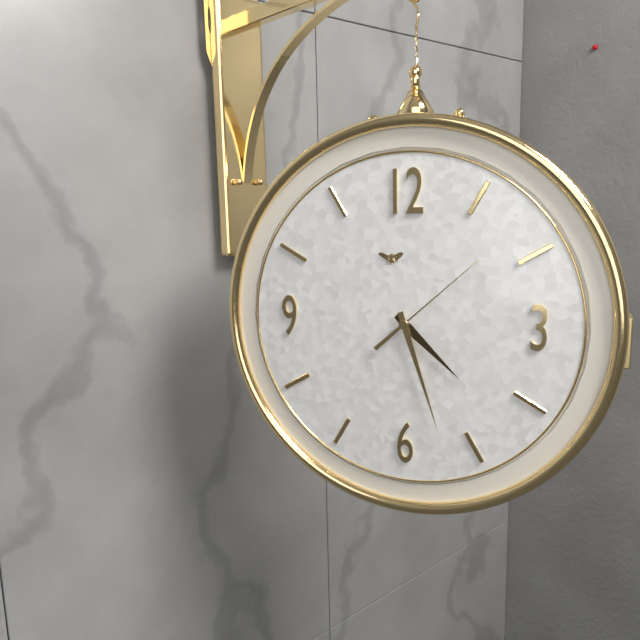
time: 4:27:08
